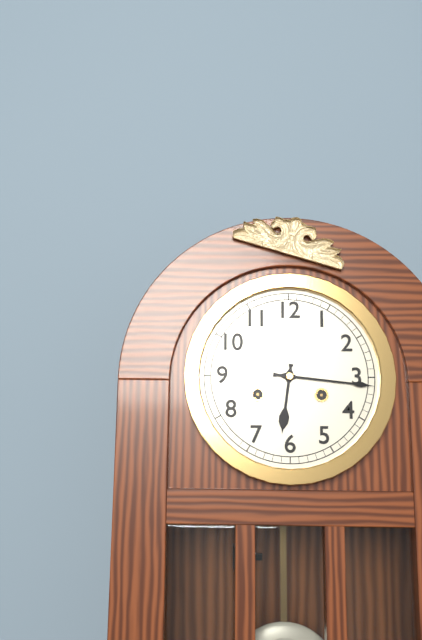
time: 6:16
